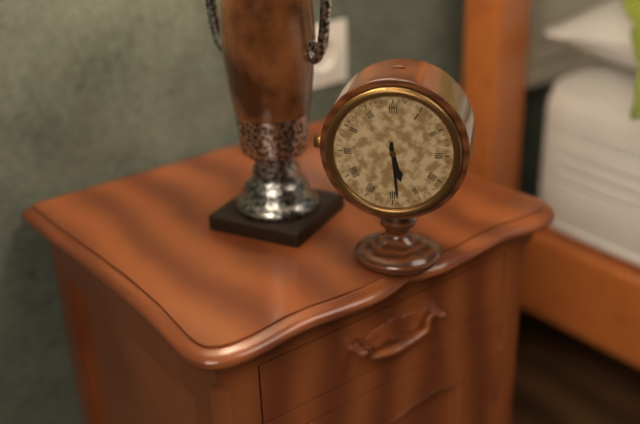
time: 5:29
